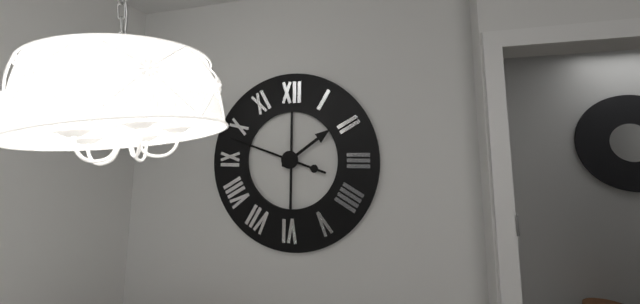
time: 1:48
